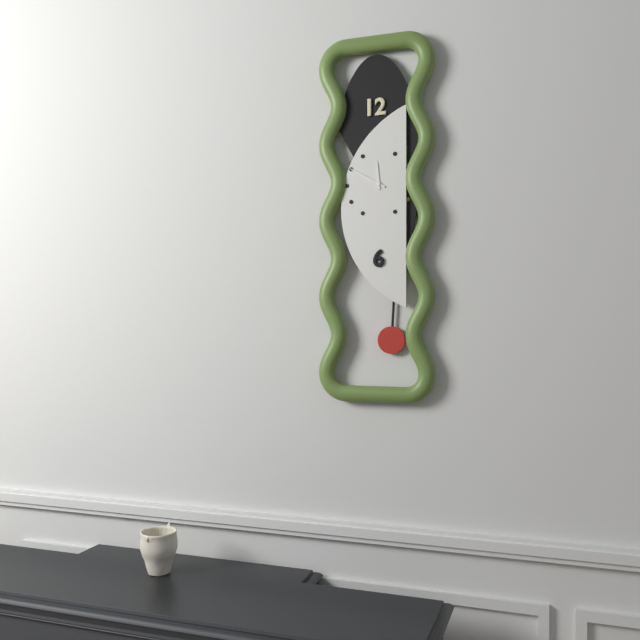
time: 11:50
